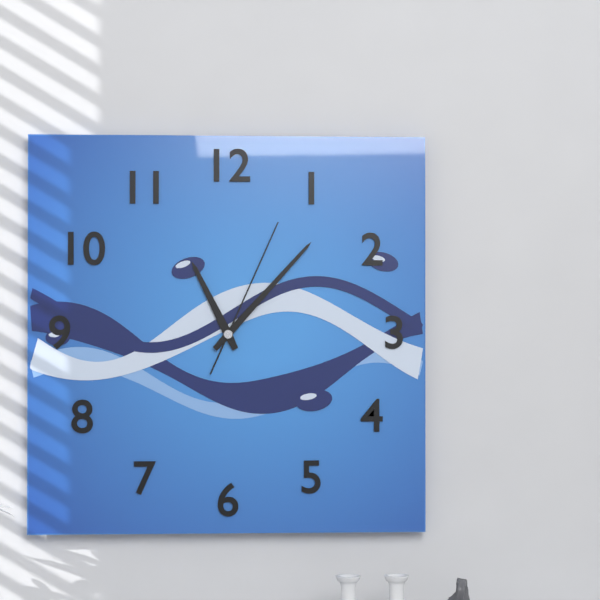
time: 11:07:04
